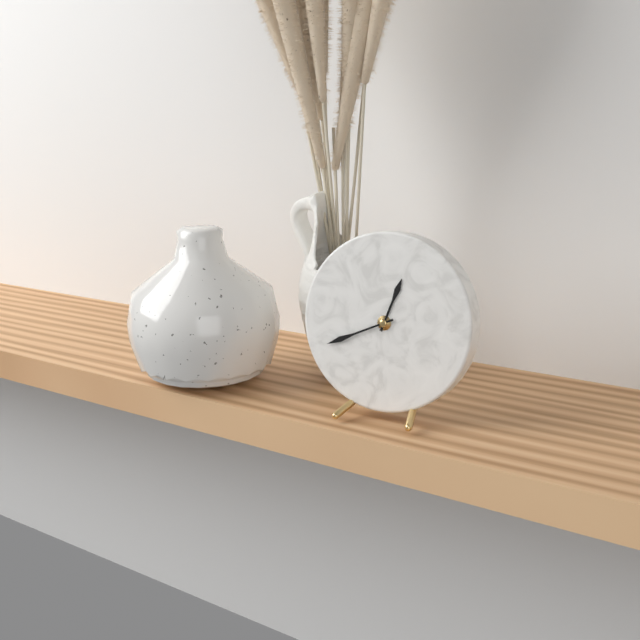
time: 12:41
